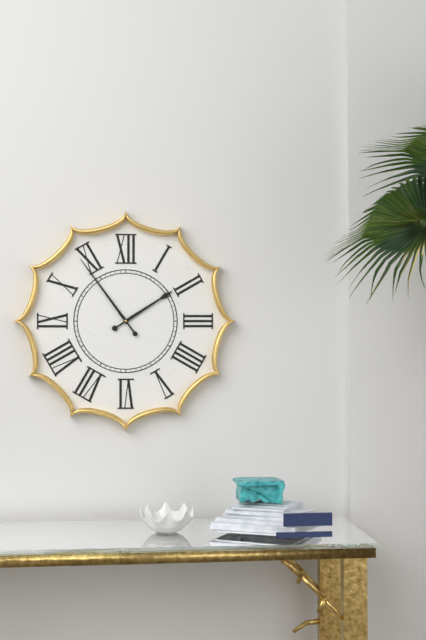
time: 1:54
